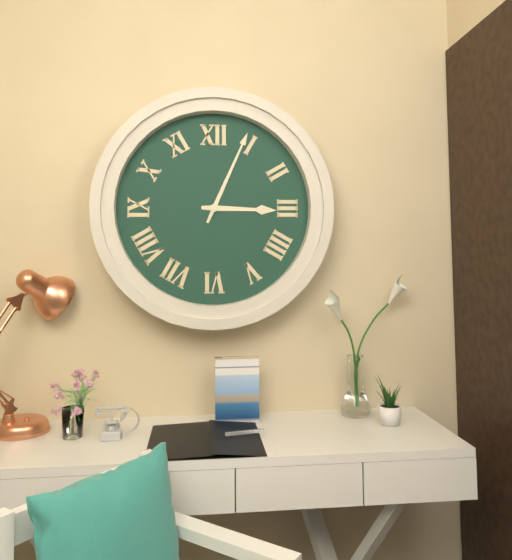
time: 3:04
